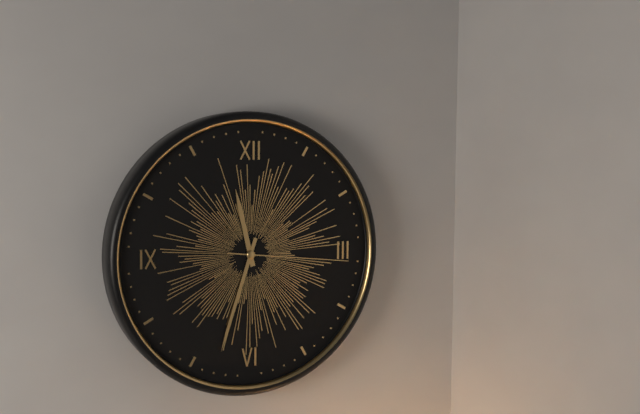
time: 11:33:16
